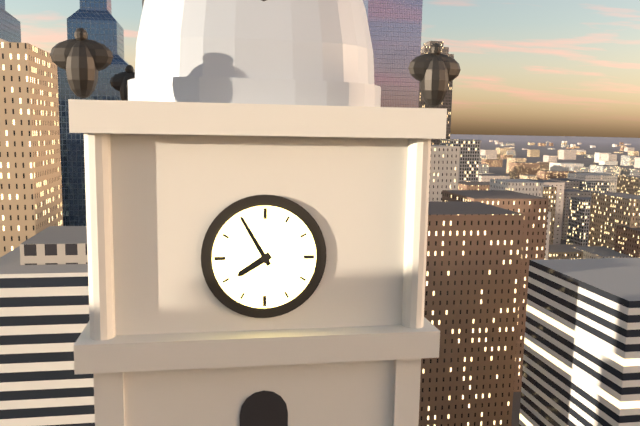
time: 7:55
